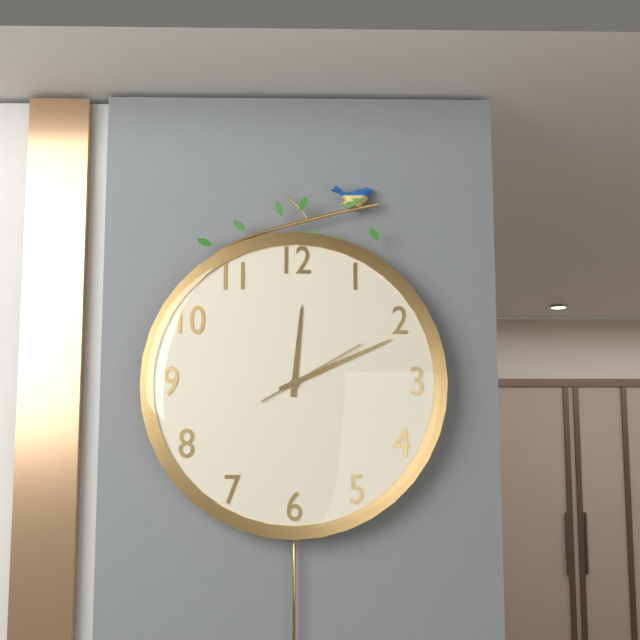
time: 12:11:10
